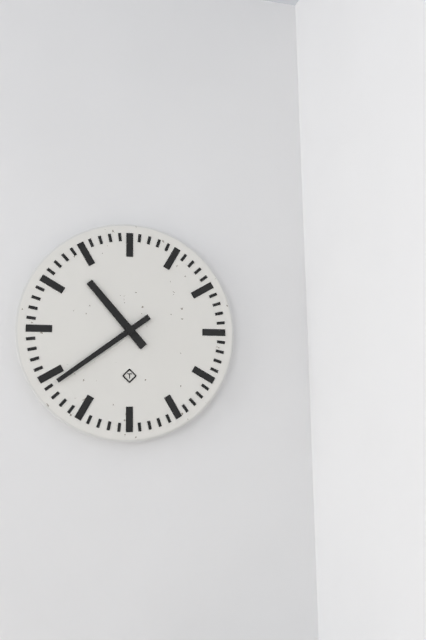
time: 10:39
